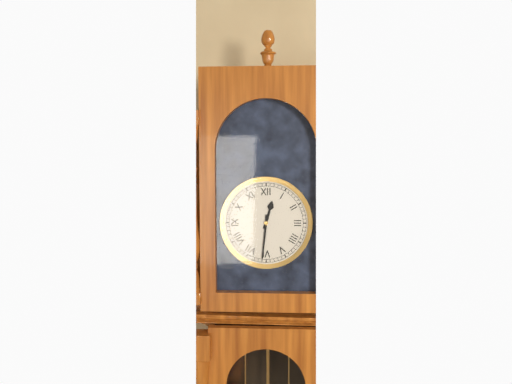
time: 12:31
